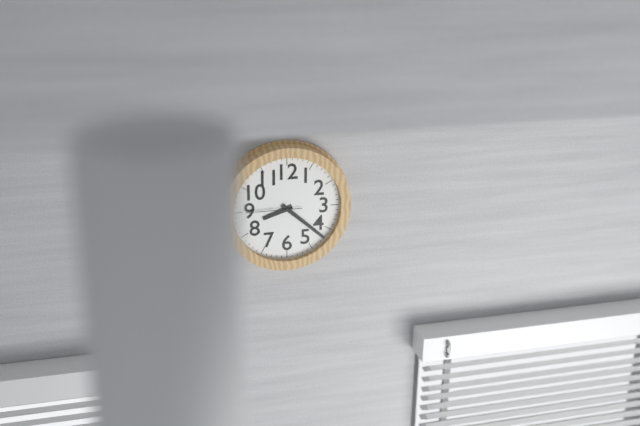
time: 8:22:45
